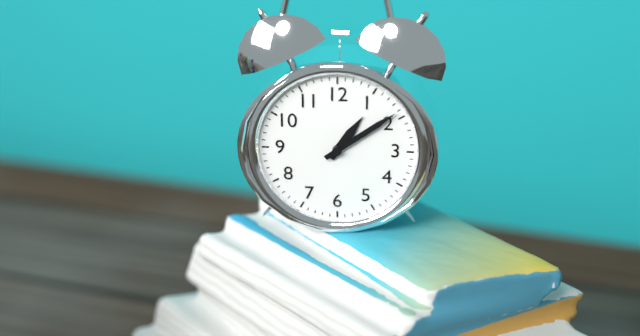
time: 1:09
